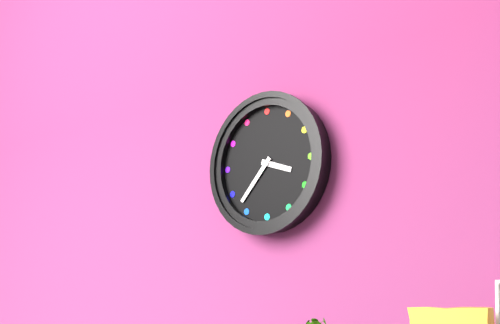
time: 3:37
